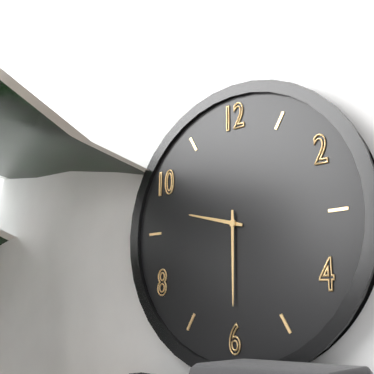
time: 9:30
